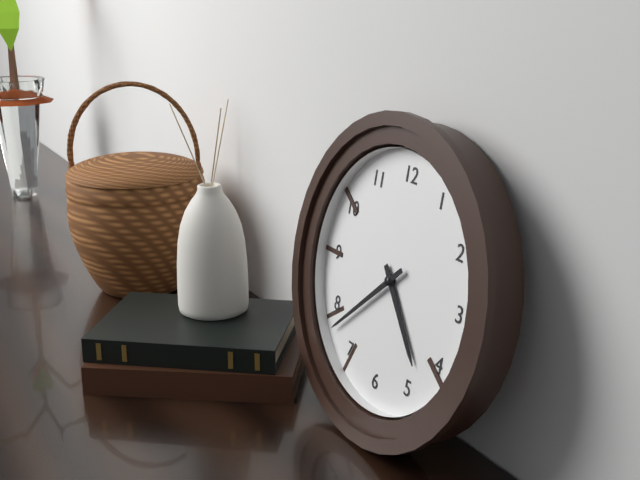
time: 4:38
